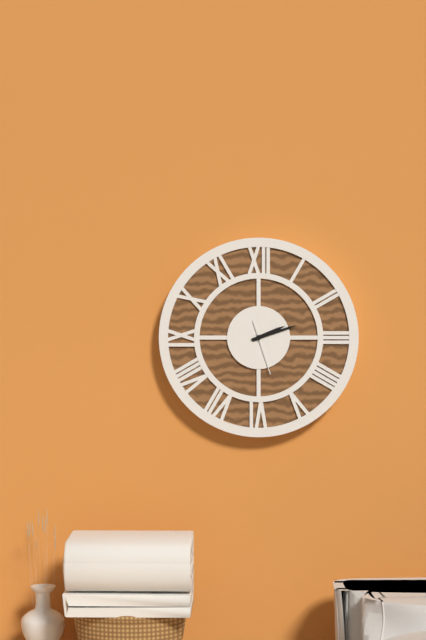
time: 2:12
